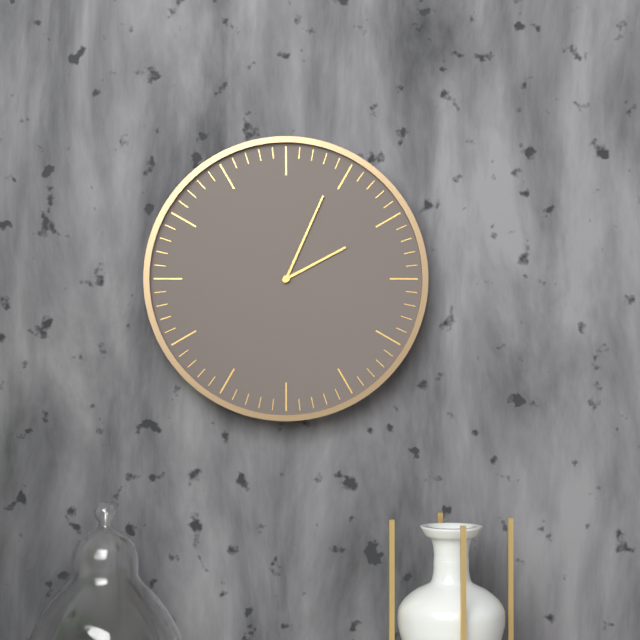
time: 2:04
